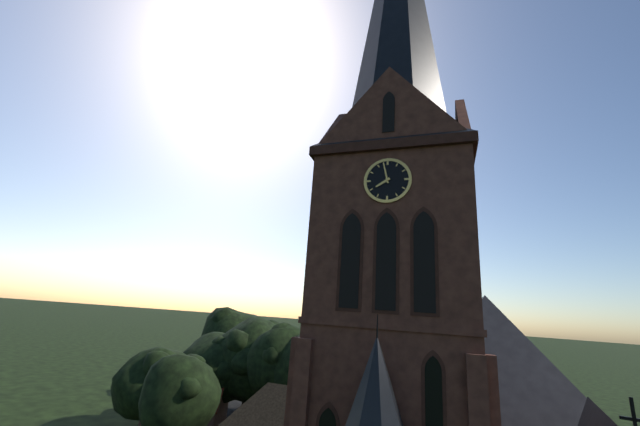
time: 7:58
